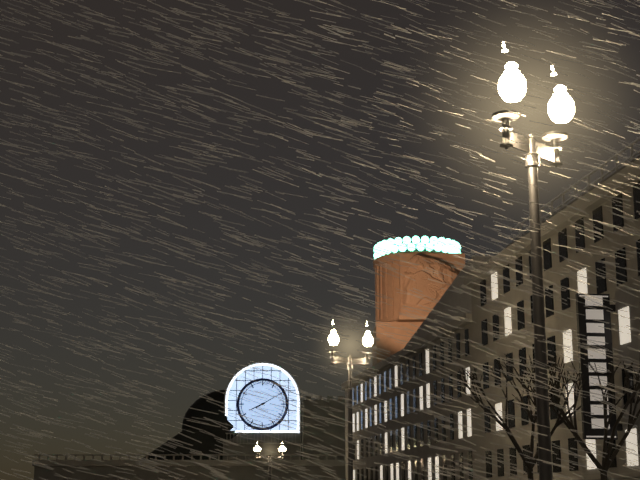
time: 8:10
